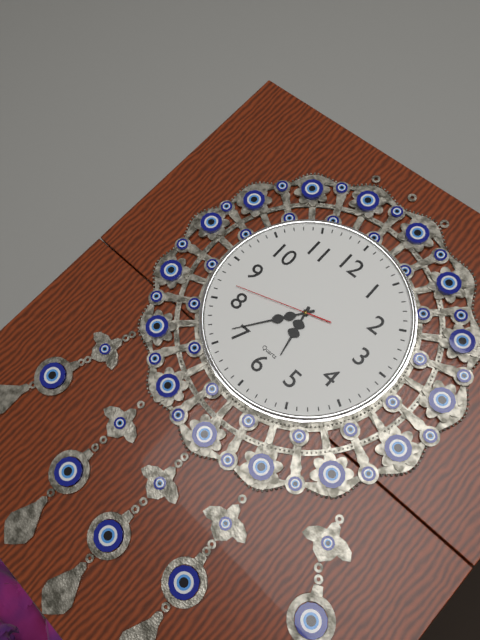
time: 5:36:42
